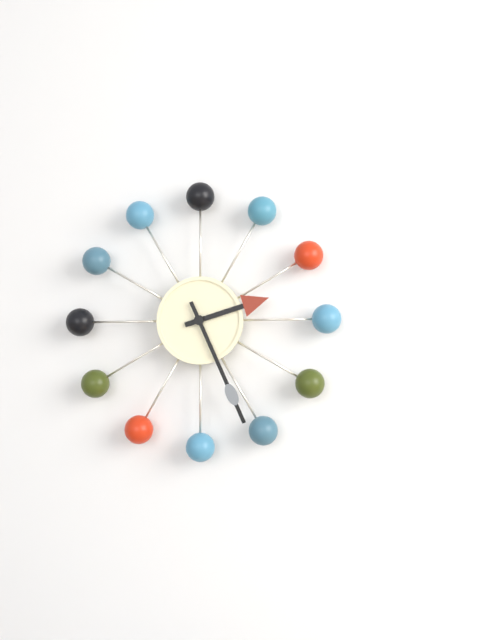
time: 2:26
